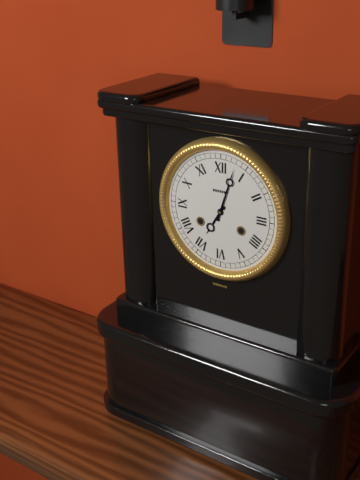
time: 7:03
